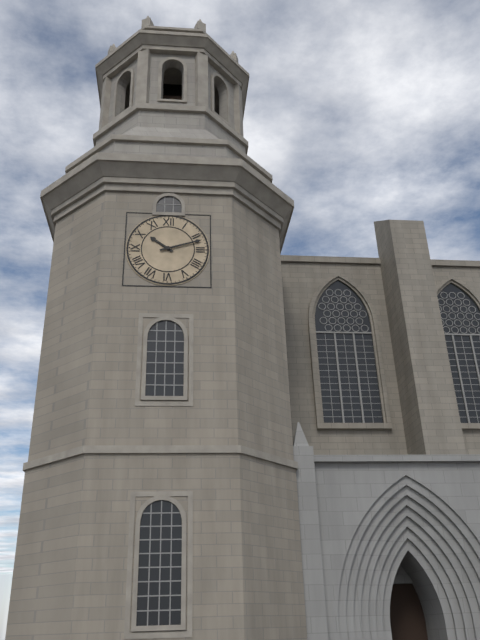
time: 10:12
